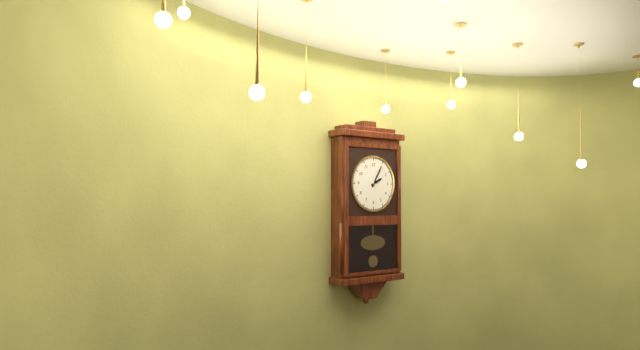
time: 2:05
